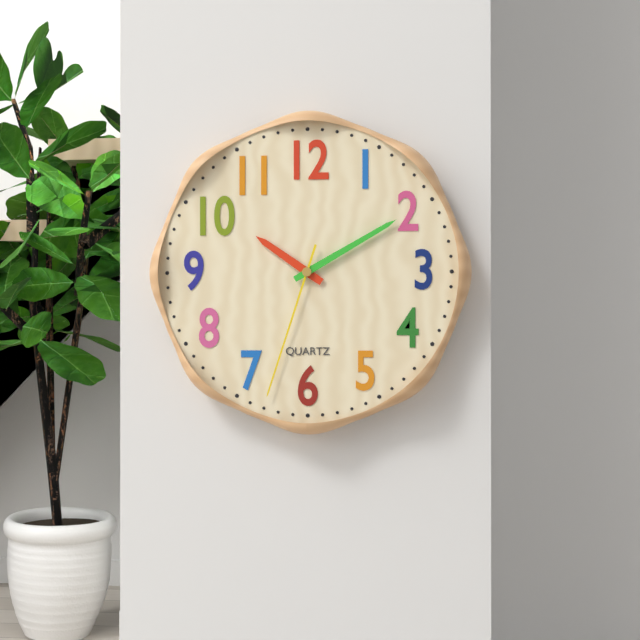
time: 10:10:33
